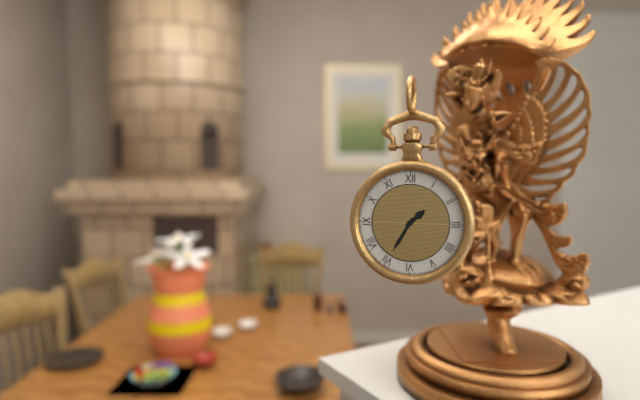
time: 1:35
